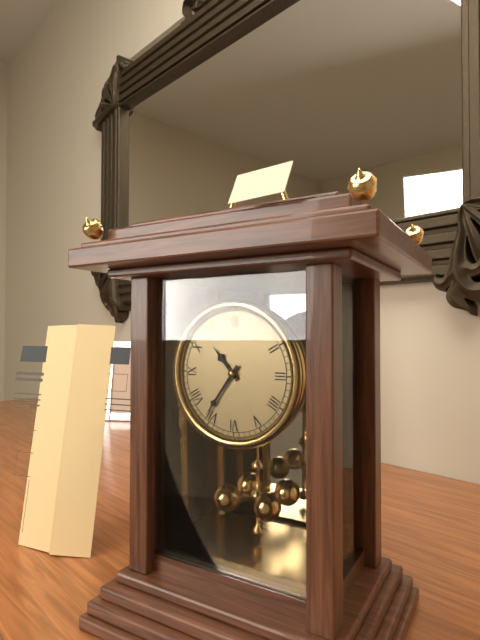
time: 10:36
